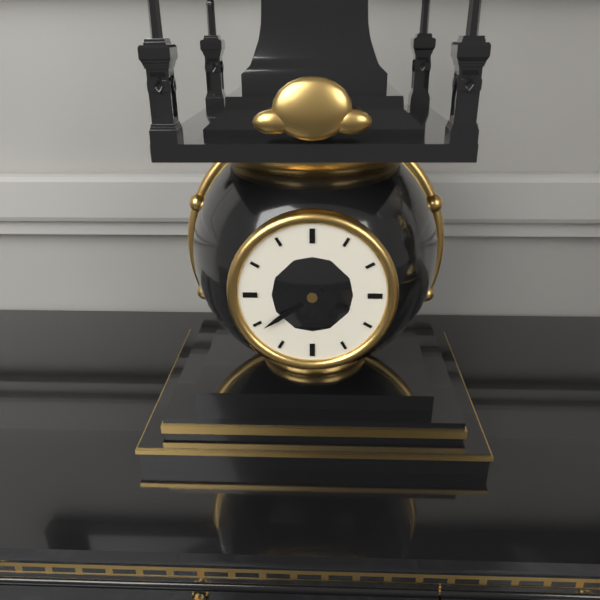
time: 3:39
